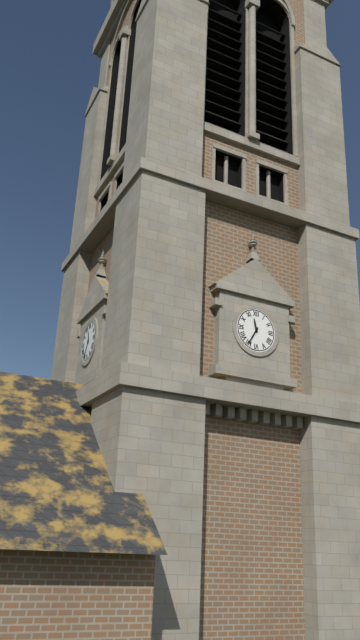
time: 11:35
